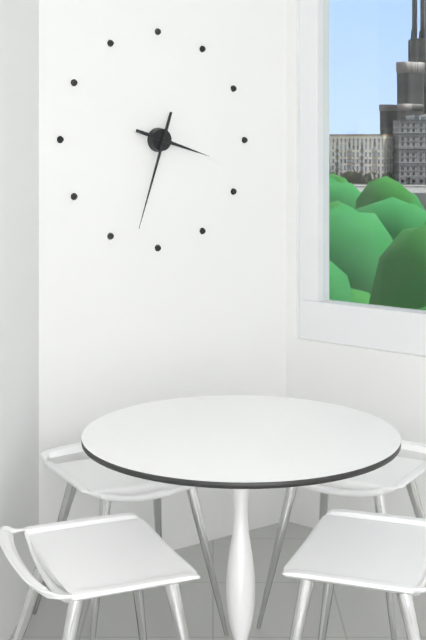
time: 3:33
